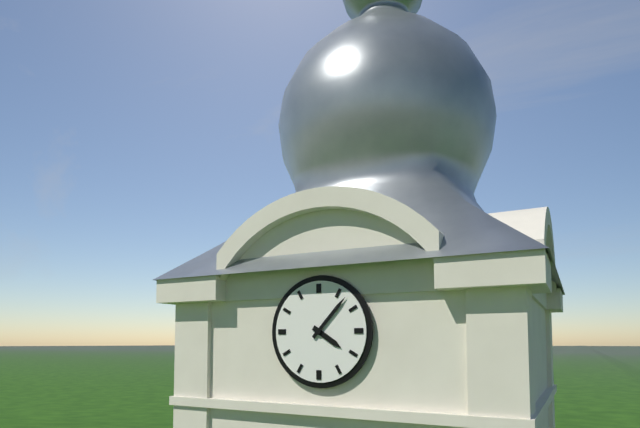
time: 4:07
